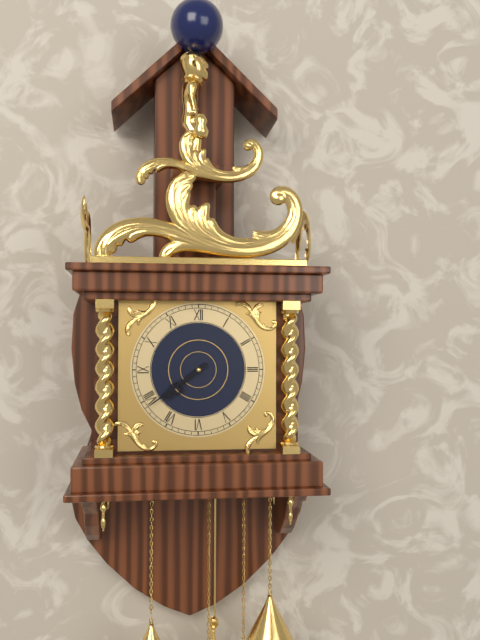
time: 7:39
